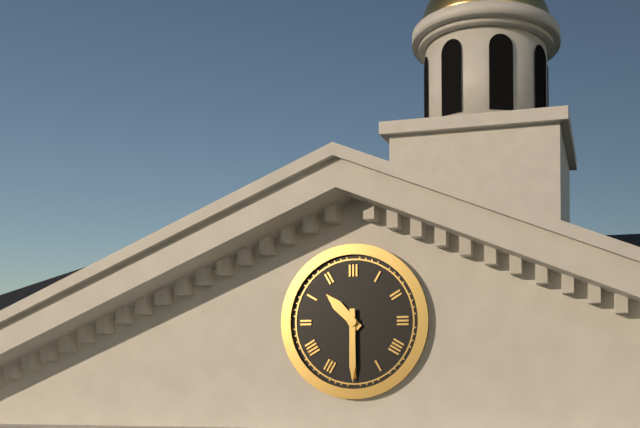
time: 10:30
